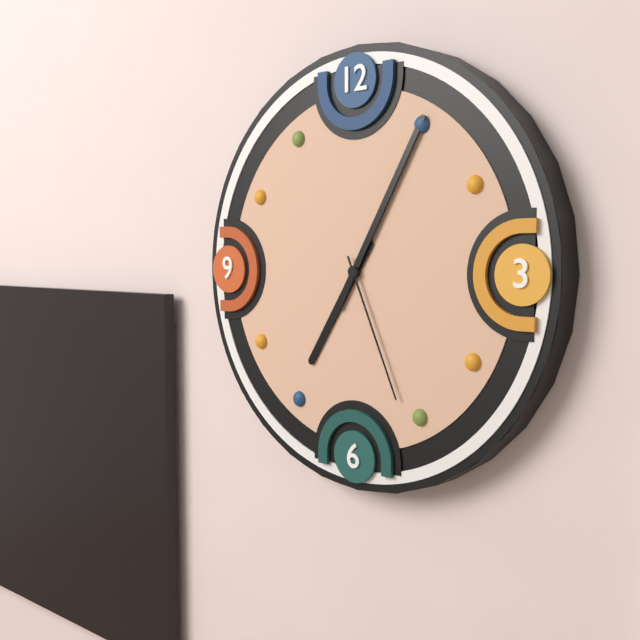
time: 7:05:26
